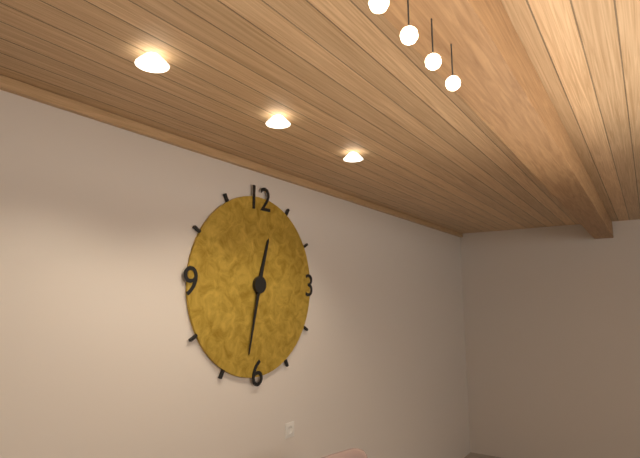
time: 12:32
